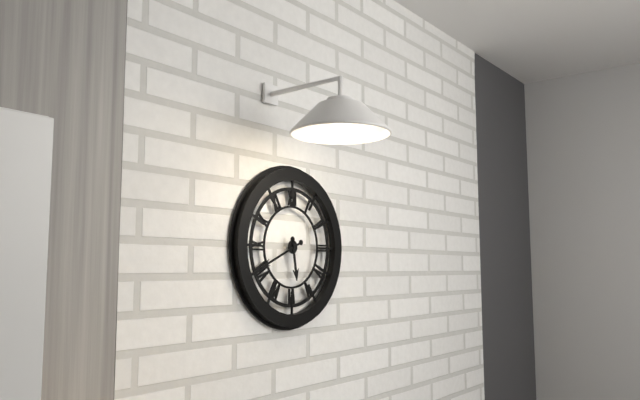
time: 5:41
